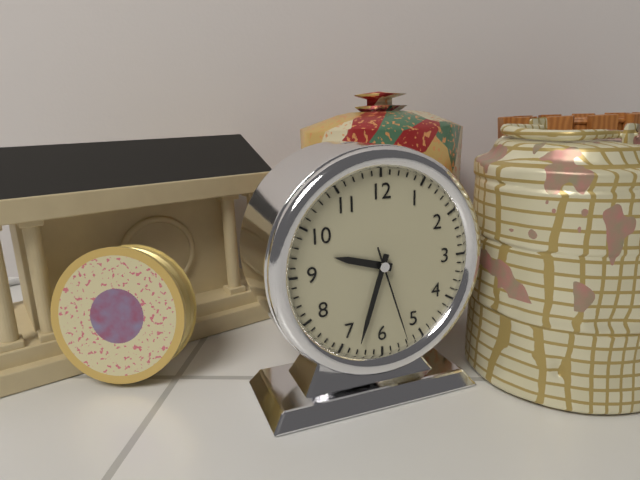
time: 9:33:27
